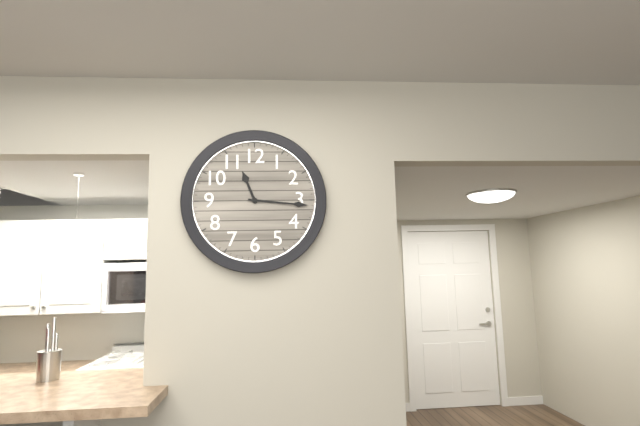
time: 11:16
